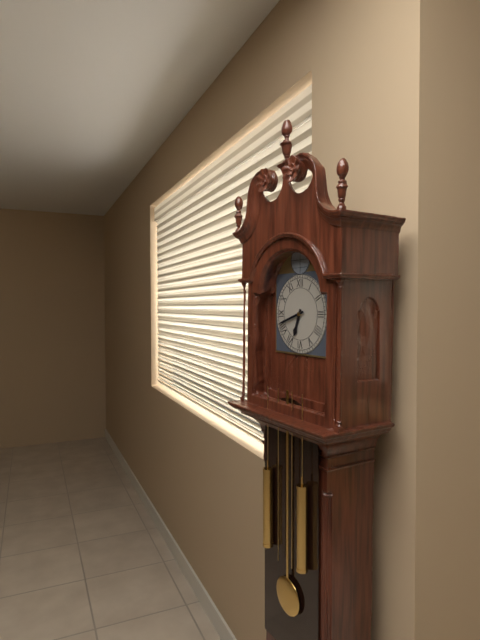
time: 6:42
